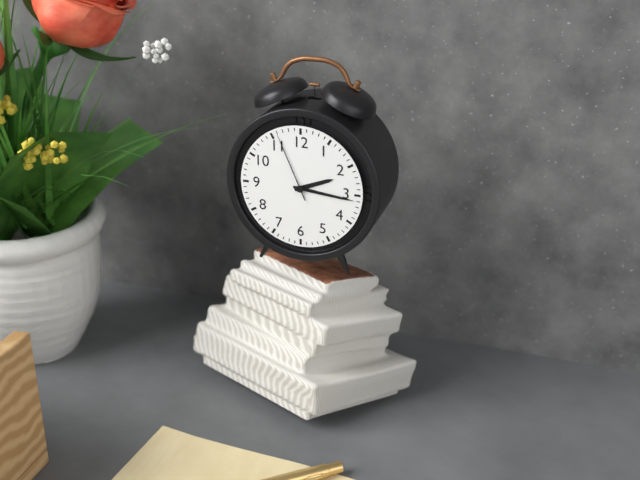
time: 2:16:56
